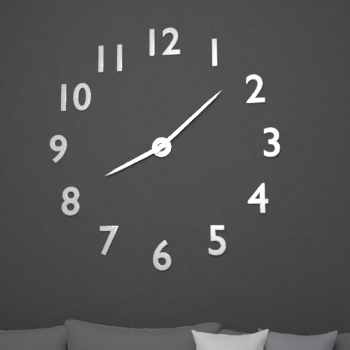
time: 8:08
